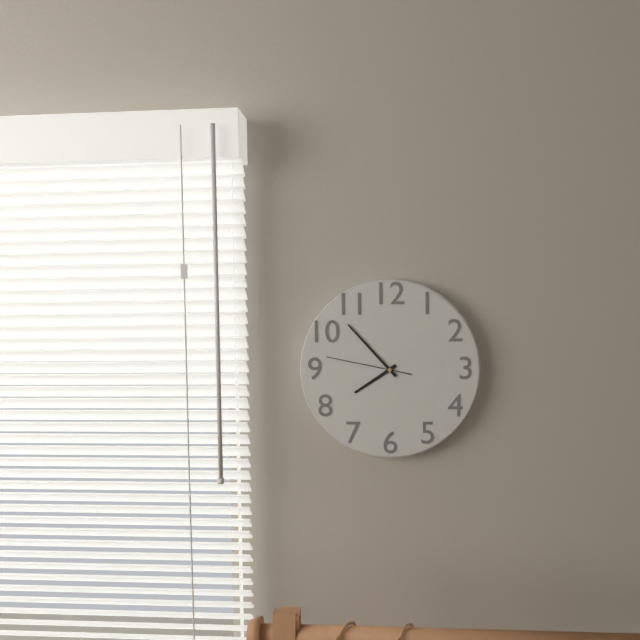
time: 7:53:47
